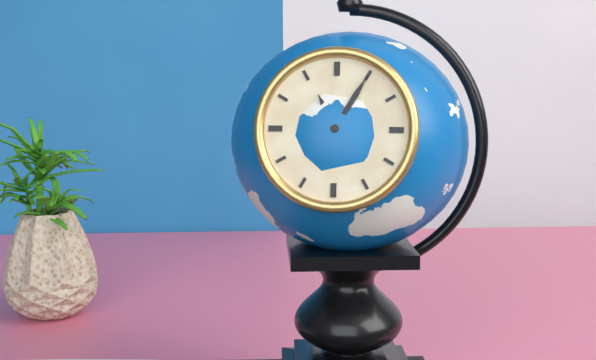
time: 11:05
